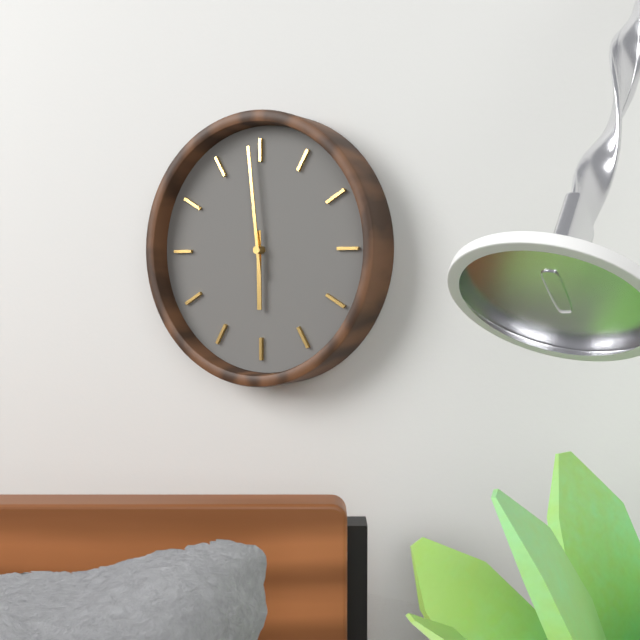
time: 5:59
